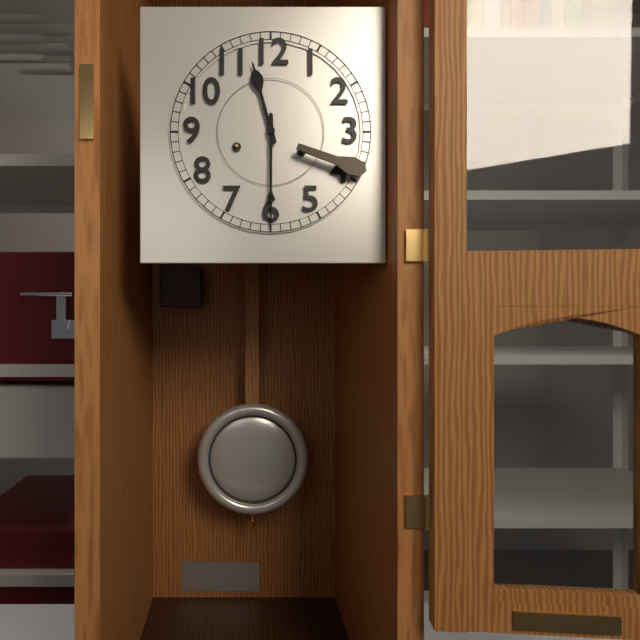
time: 11:30
